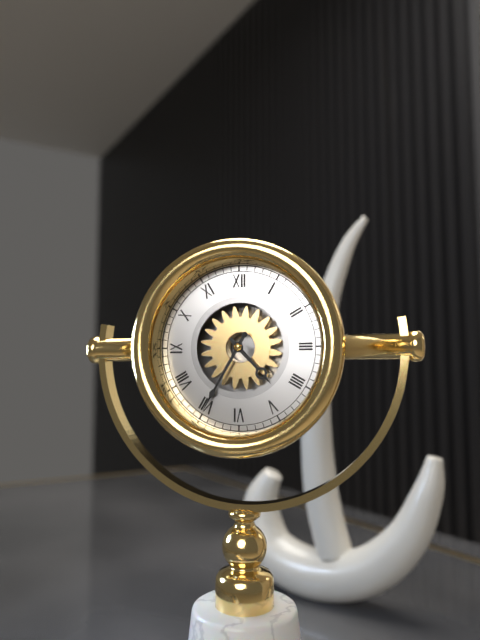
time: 4:35
